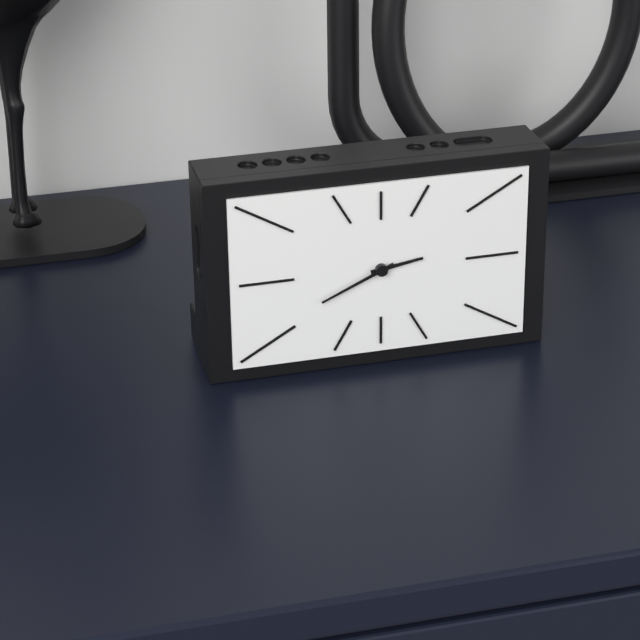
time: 2:41
